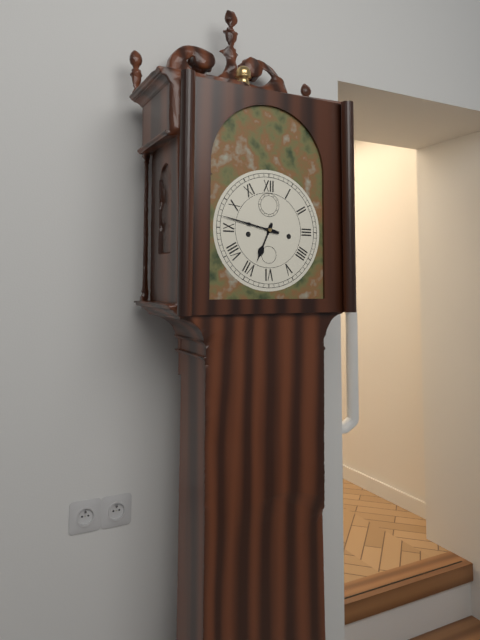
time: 6:47
